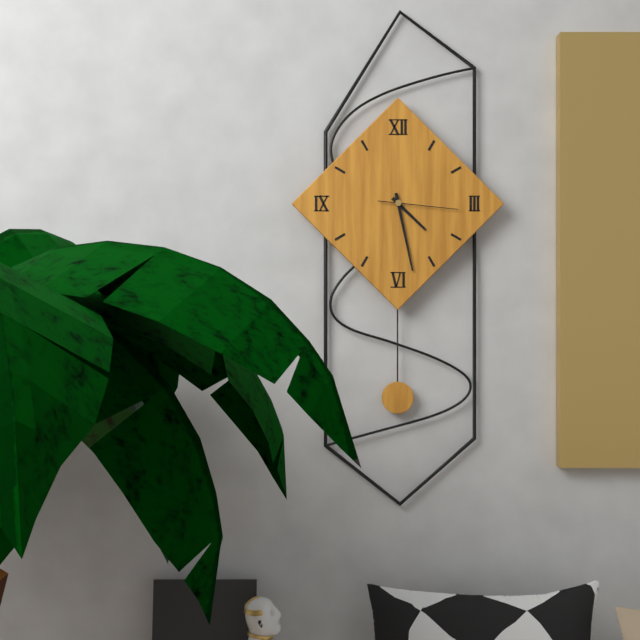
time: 4:28:16
